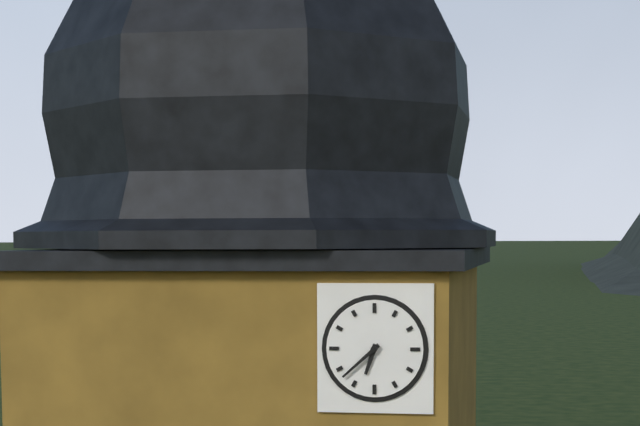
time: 6:38
